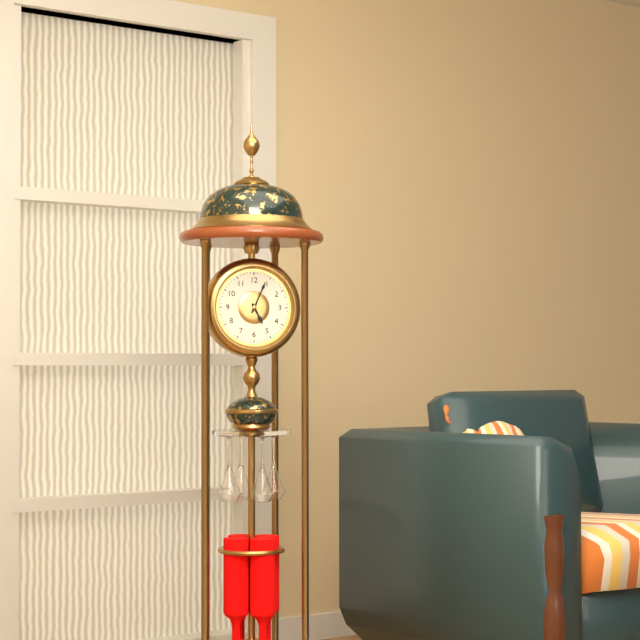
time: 5:04
